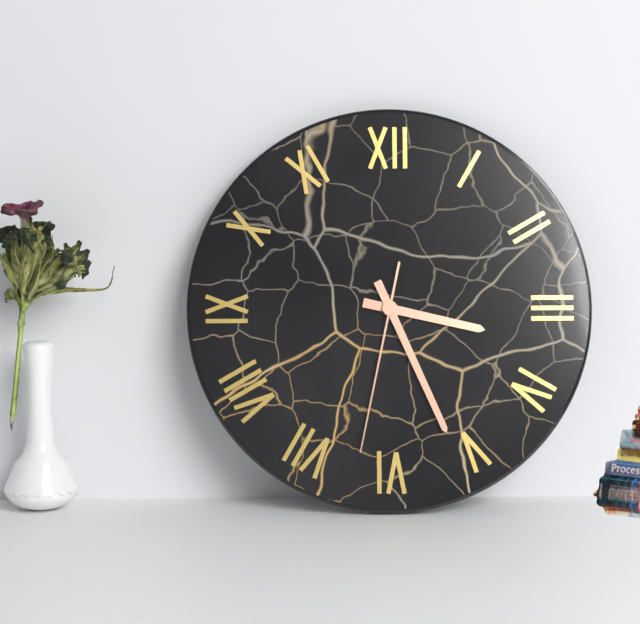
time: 3:26:32
